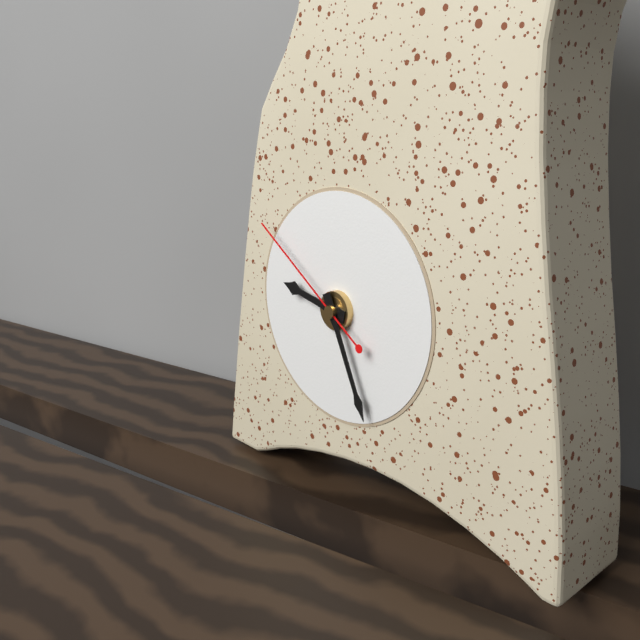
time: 9:26:51
